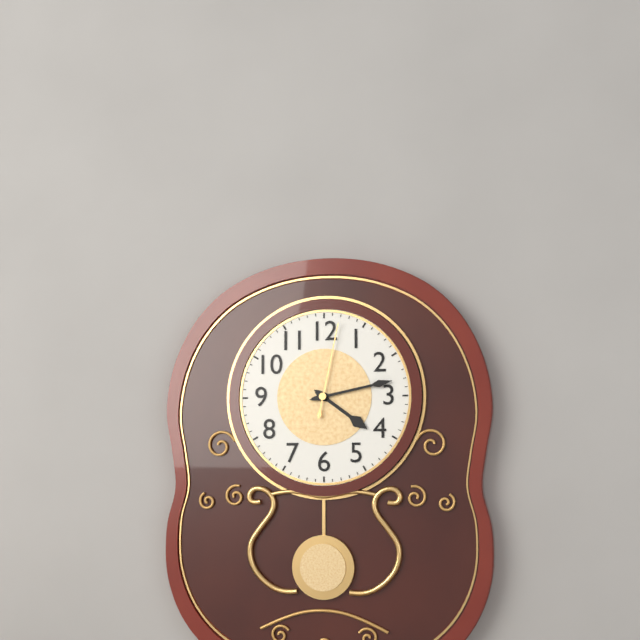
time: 4:13:02
